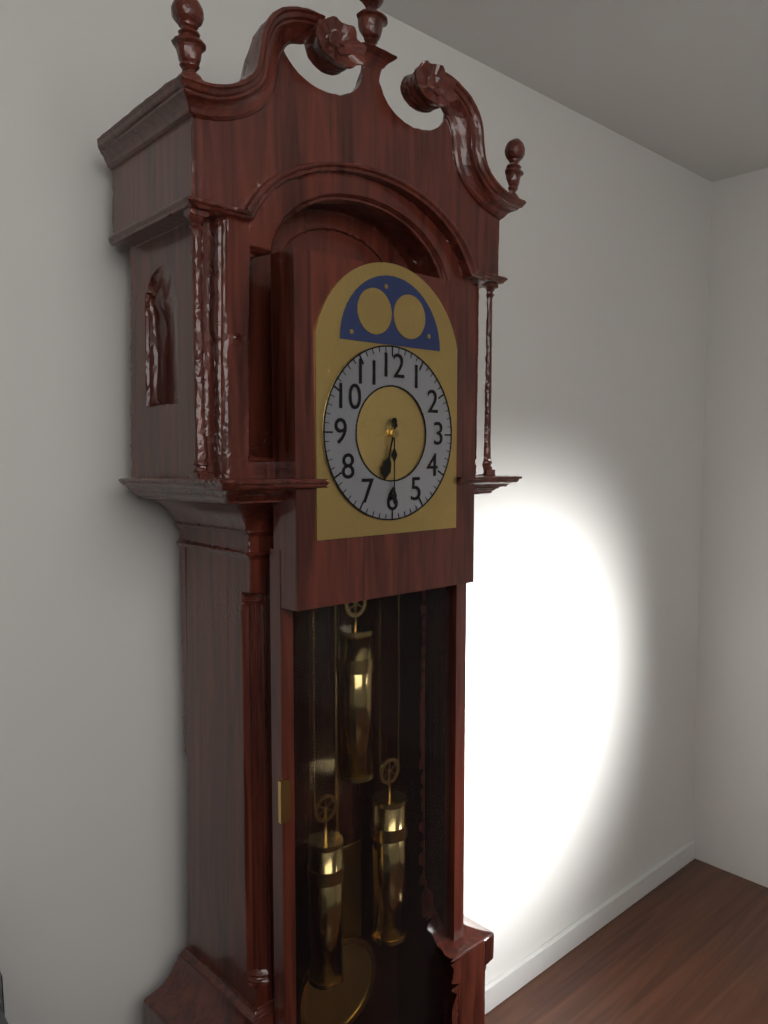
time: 6:30
